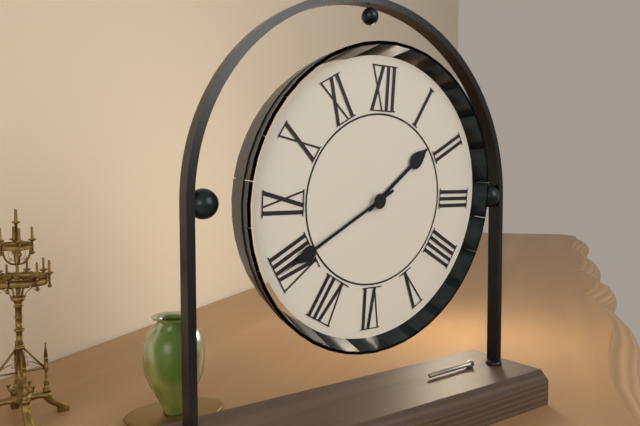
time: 1:40
